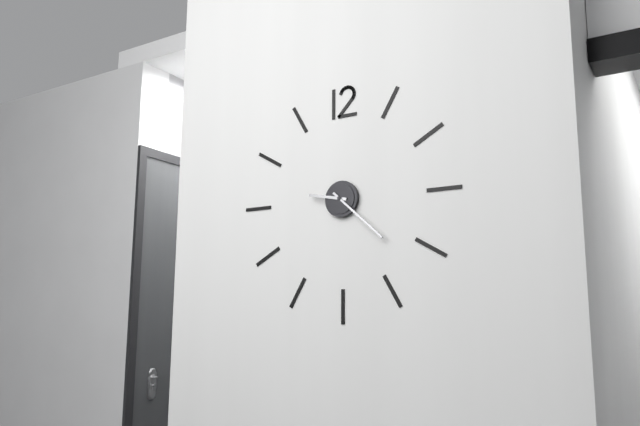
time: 9:22
